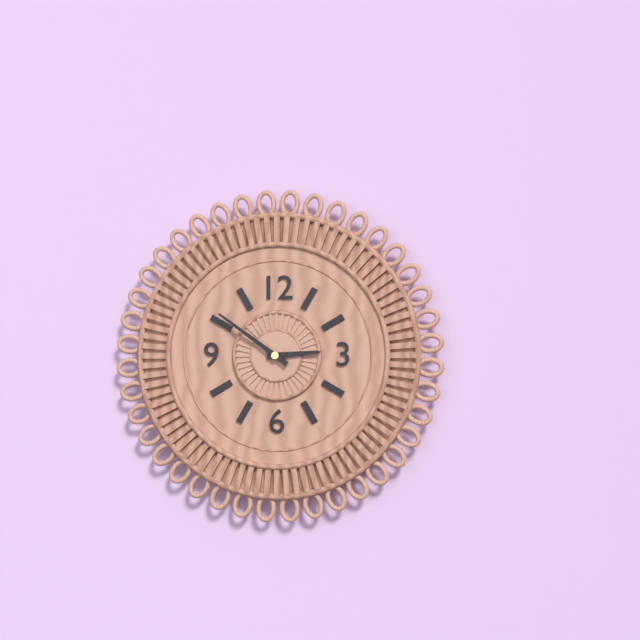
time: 2:51
